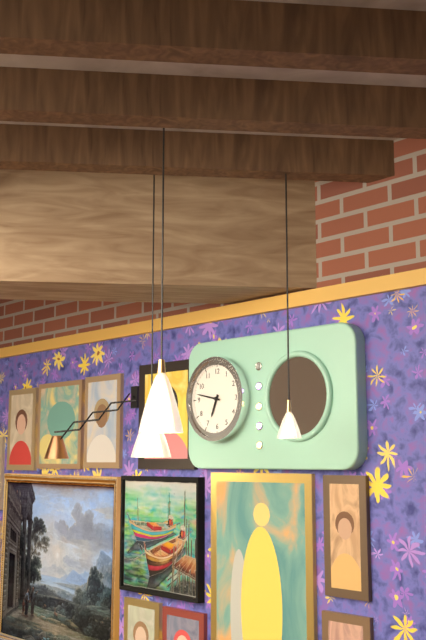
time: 6:47
